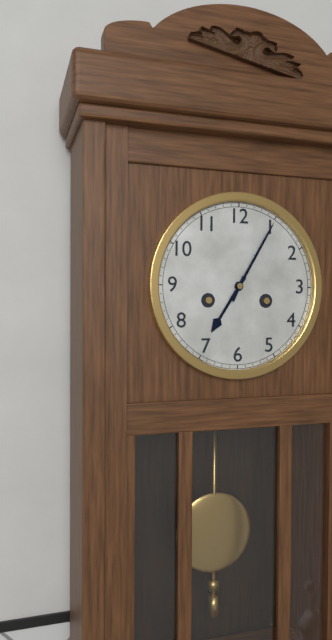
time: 7:05
